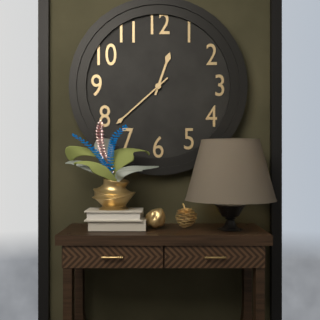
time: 12:38
